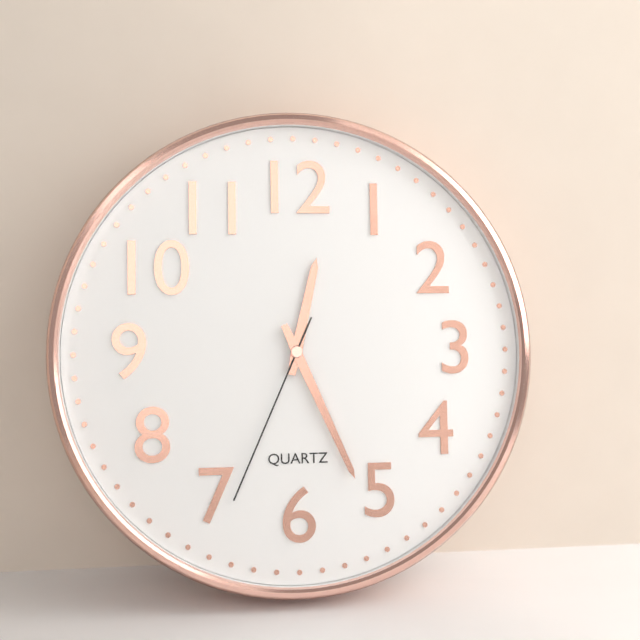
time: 12:26:34
